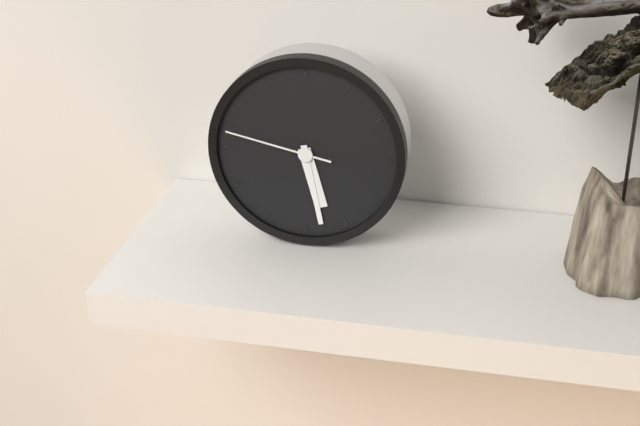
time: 5:28:47
